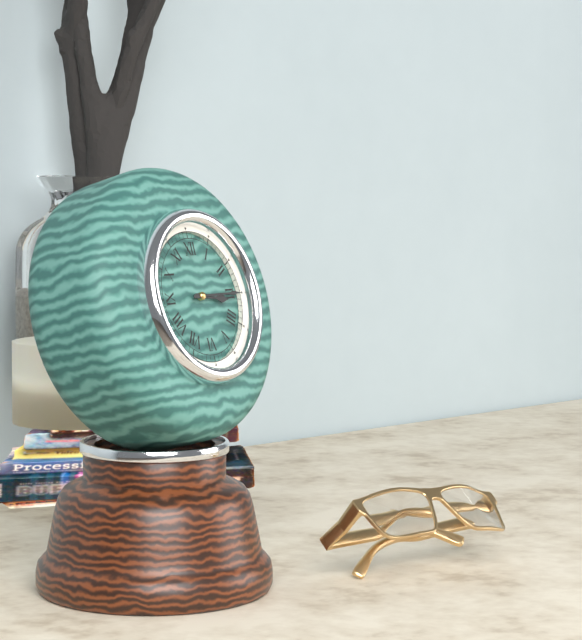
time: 3:15
